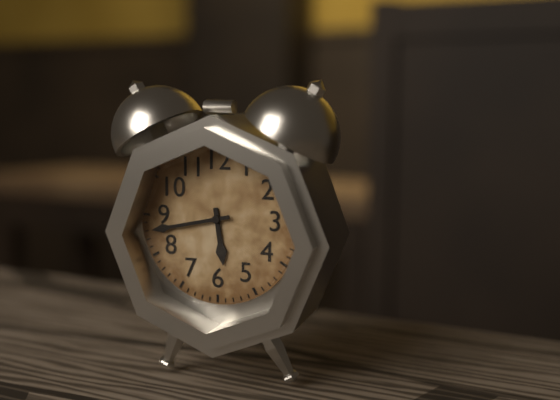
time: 5:43
